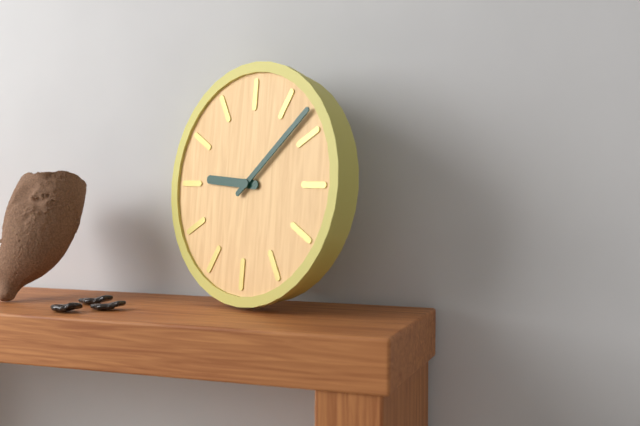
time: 9:08
